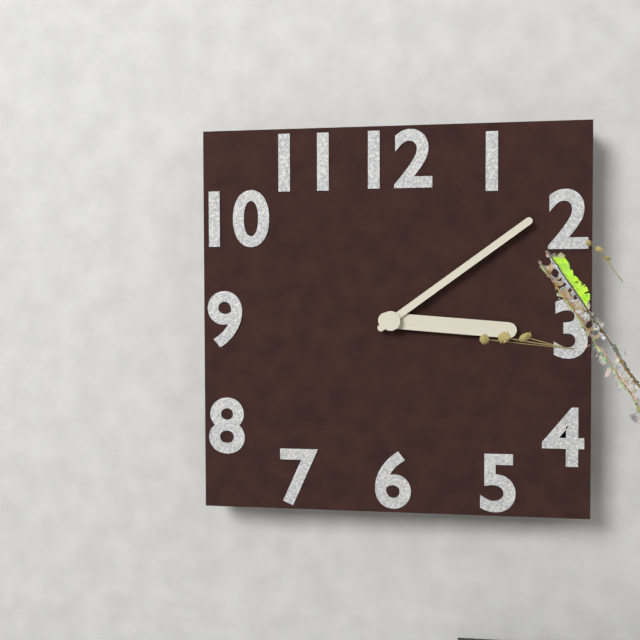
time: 3:09
